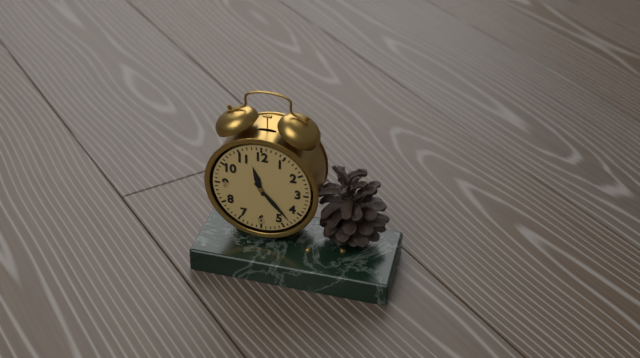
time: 11:23
